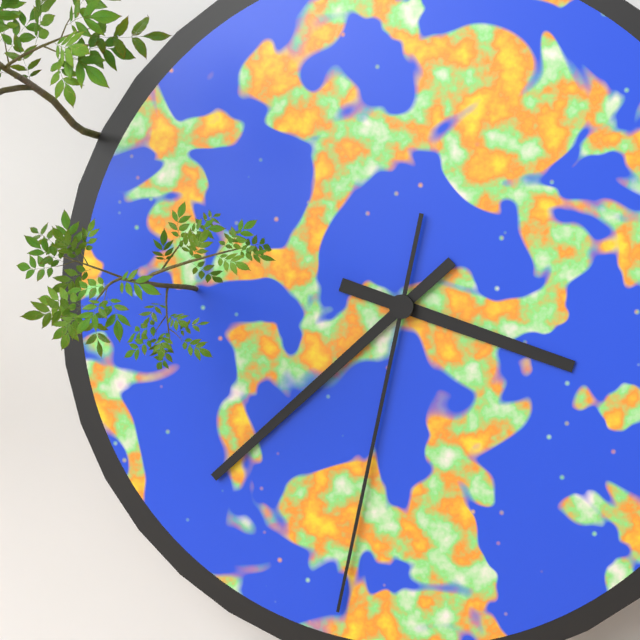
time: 3:38:32
